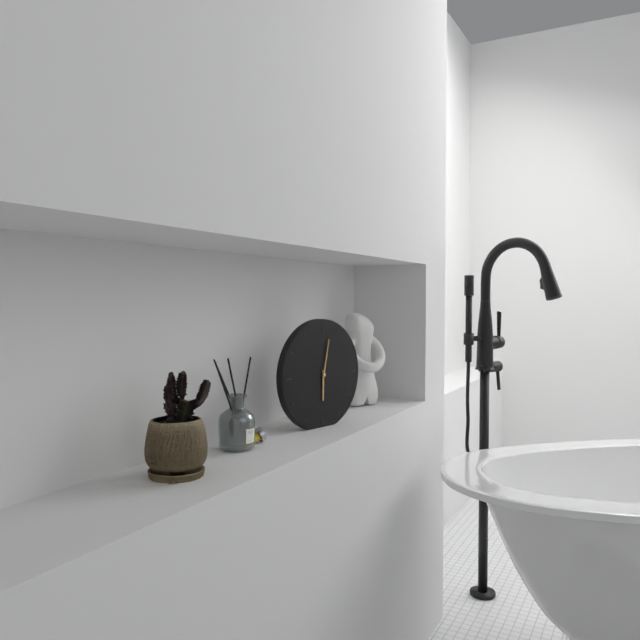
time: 6:02
